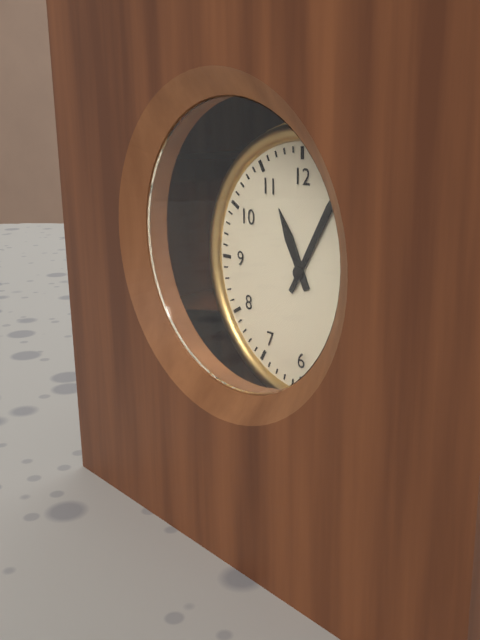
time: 11:05
